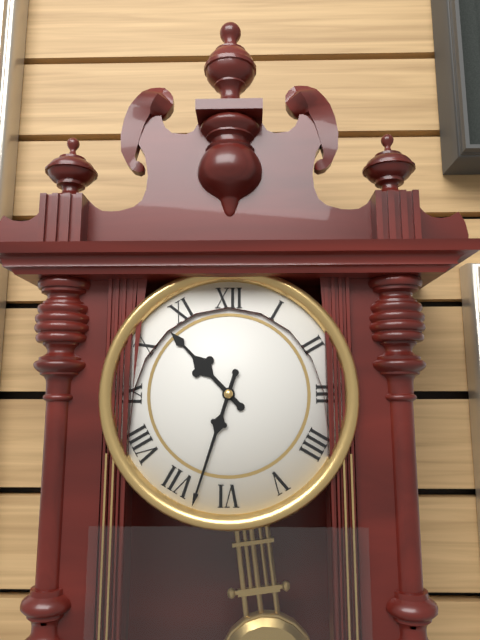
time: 10:33
